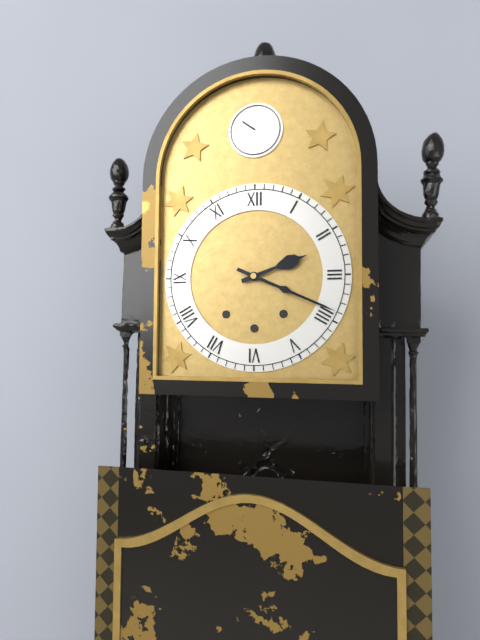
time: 2:19
